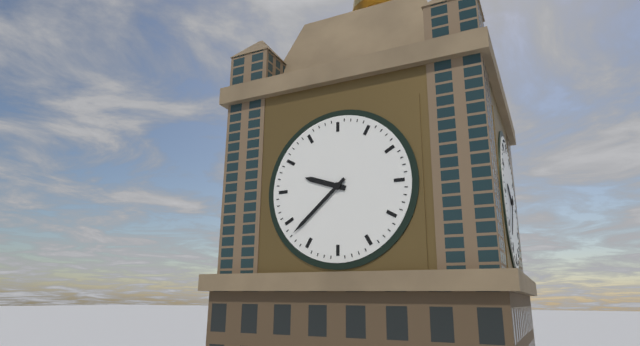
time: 9:38
